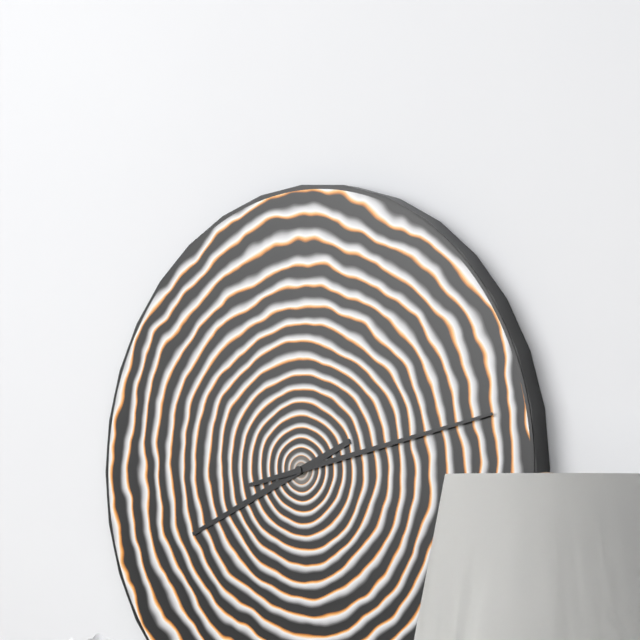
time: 8:13
